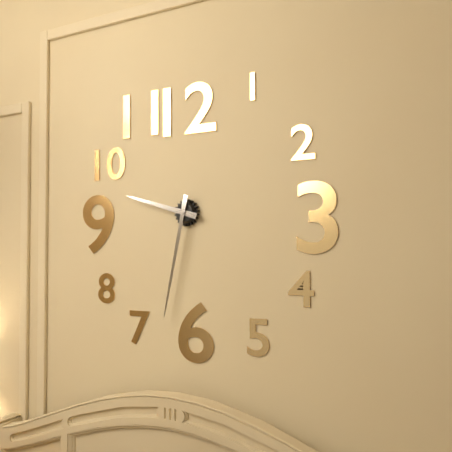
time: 9:32
